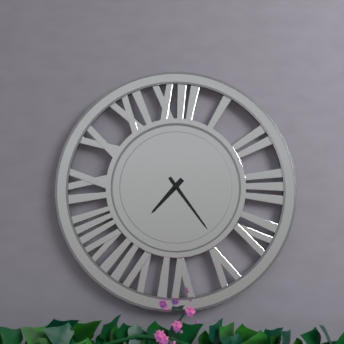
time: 7:24
